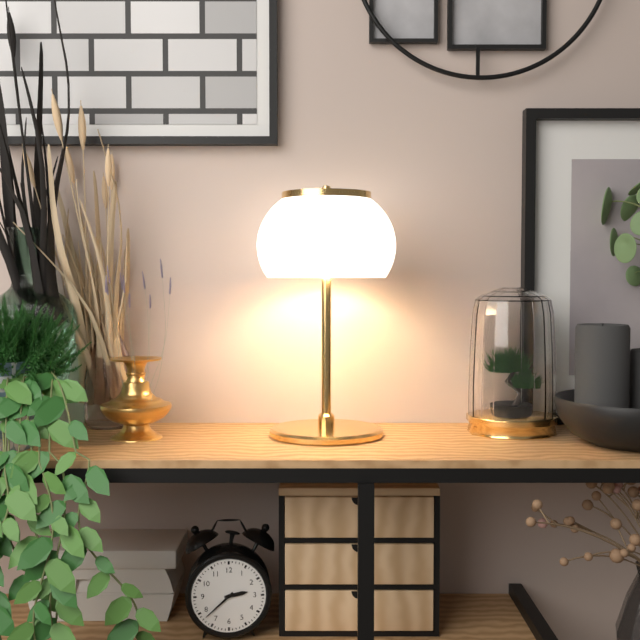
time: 2:38
